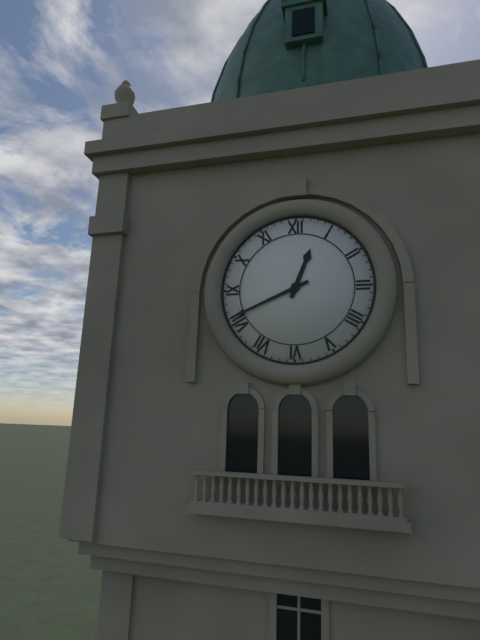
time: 12:41
